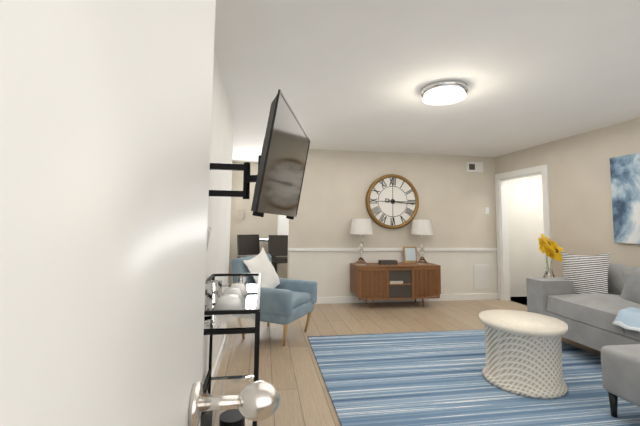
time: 9:16
